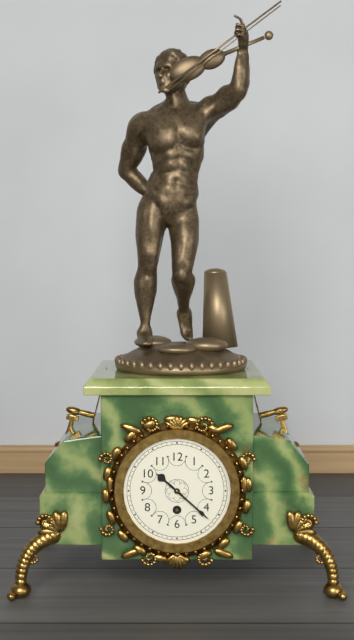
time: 10:22
